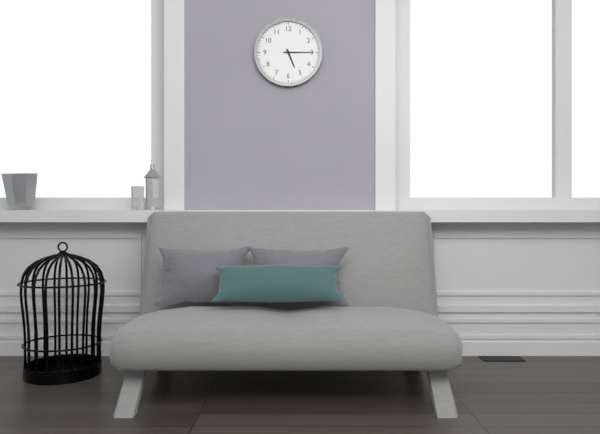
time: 5:15
